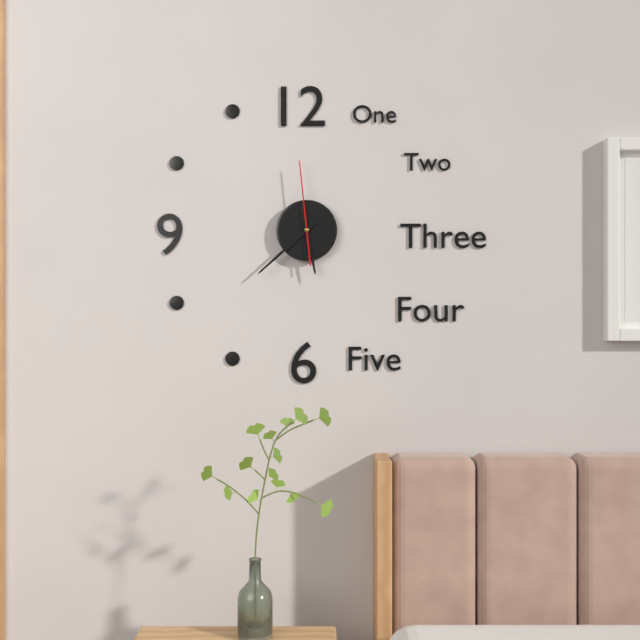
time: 5:38:59
